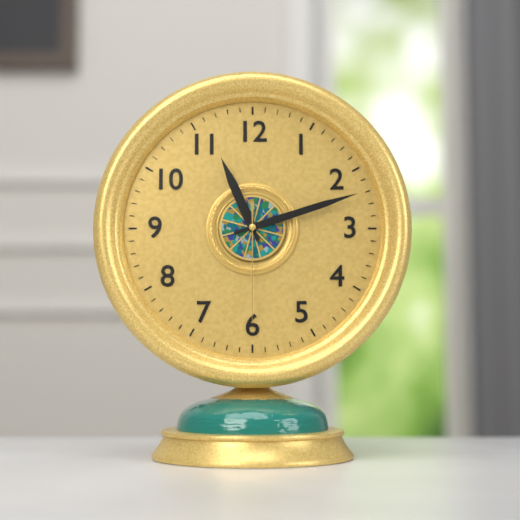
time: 11:12:30
